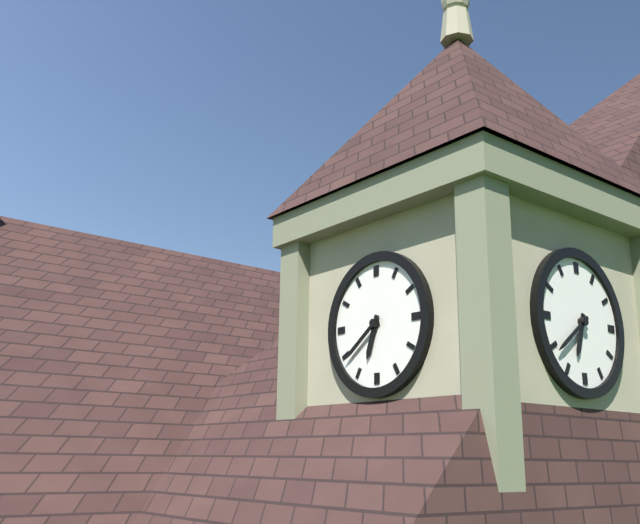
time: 6:39
